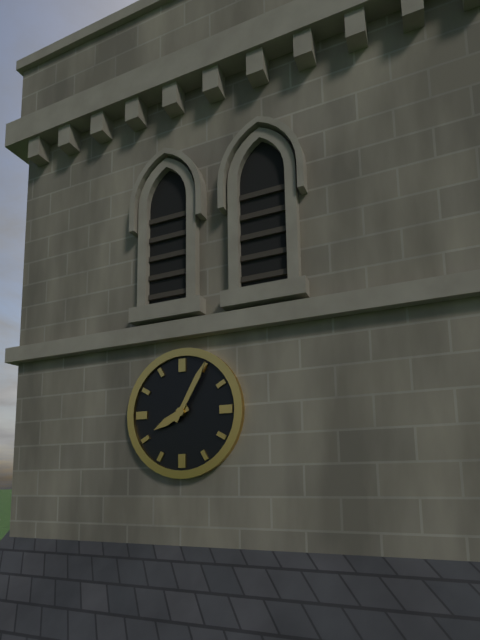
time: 8:05
